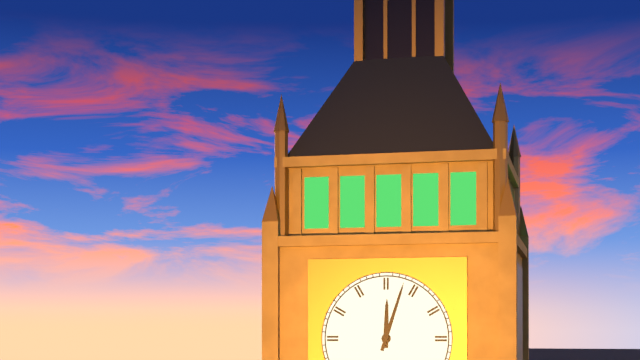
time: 12:03
